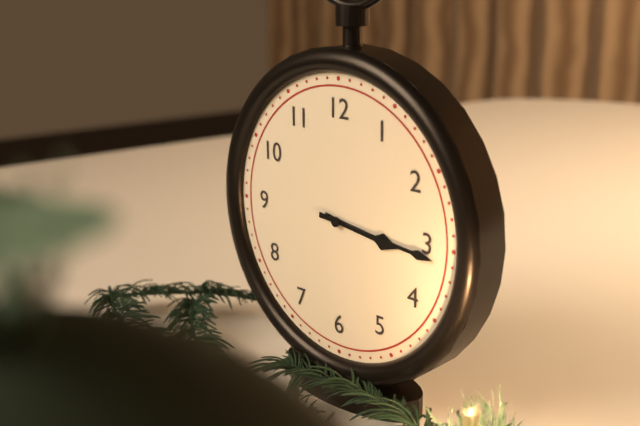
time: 3:16
